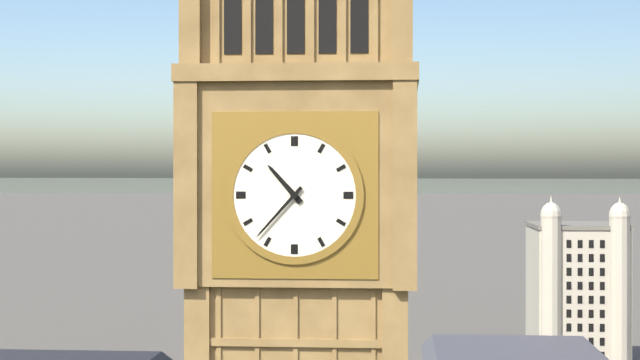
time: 10:37
